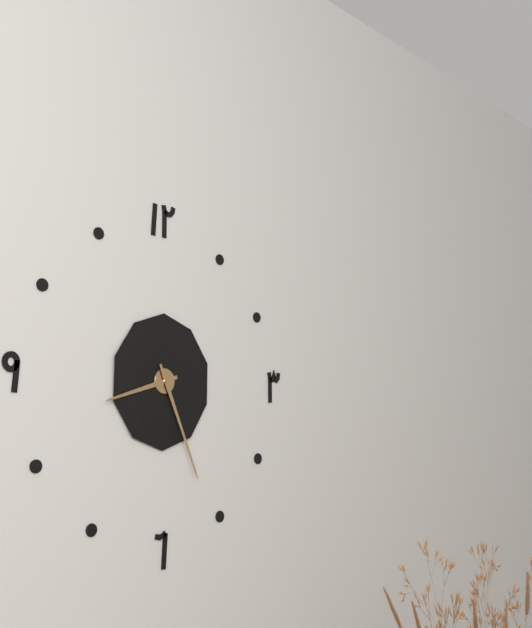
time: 8:26
